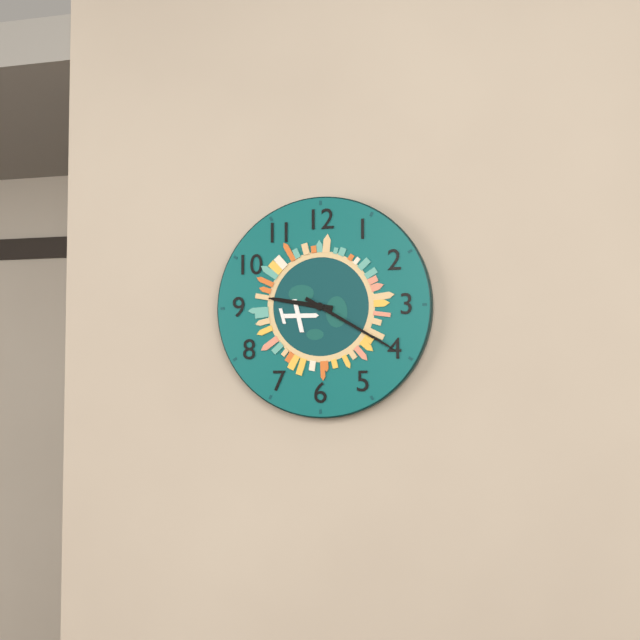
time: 9:20
